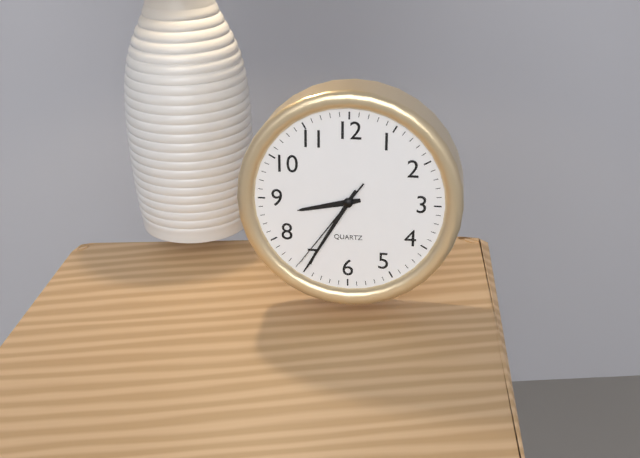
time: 8:35:36
